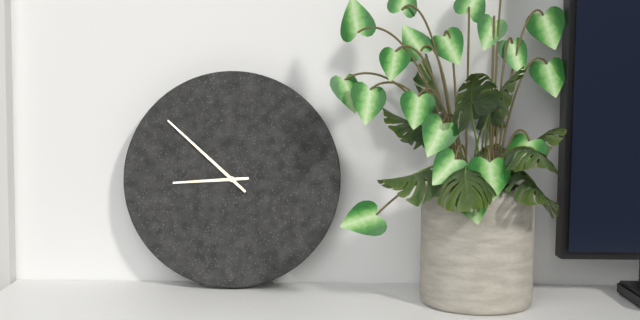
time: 8:52
